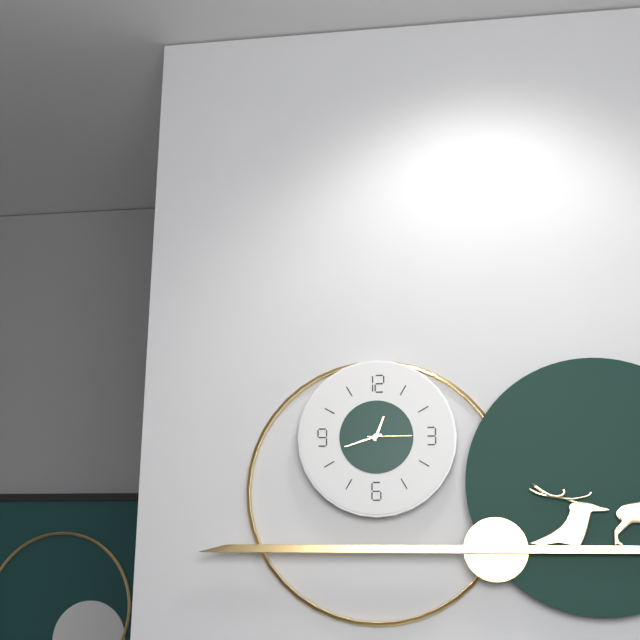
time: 12:42
